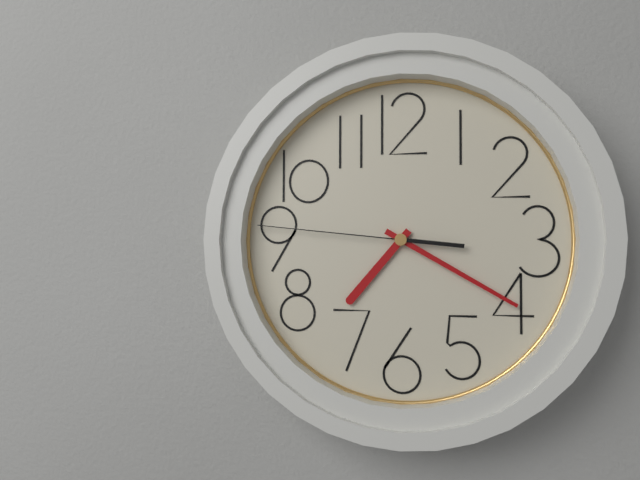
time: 7:20:46
